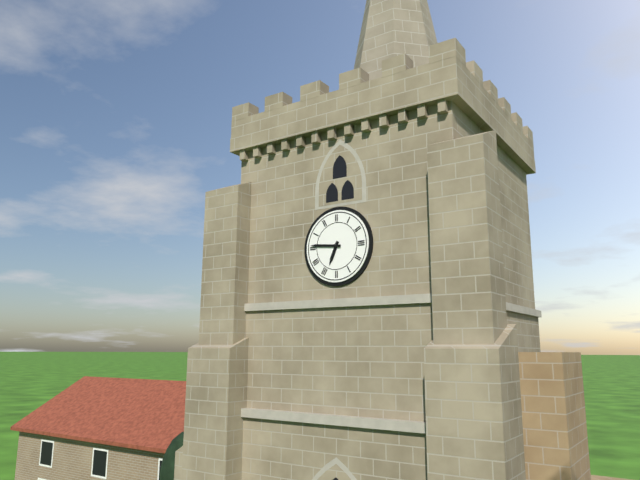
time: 6:46
